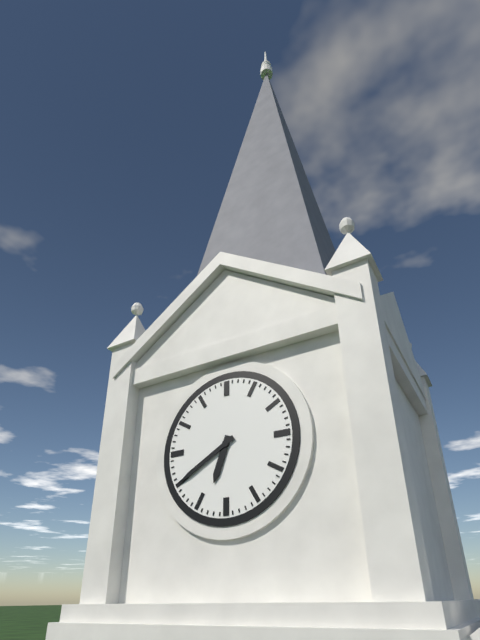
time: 6:40
